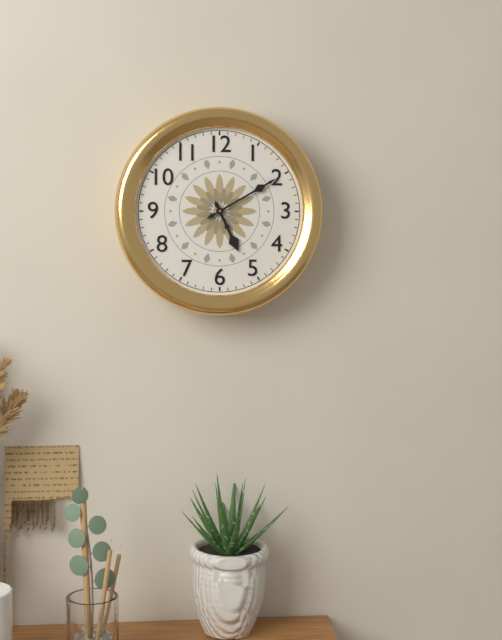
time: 5:10
